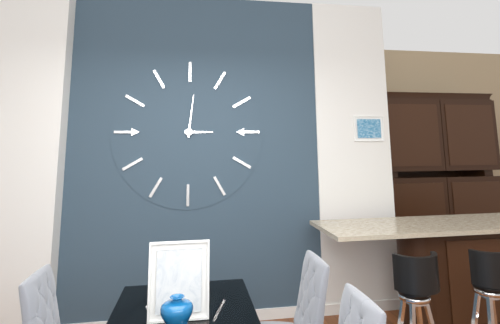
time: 3:01
